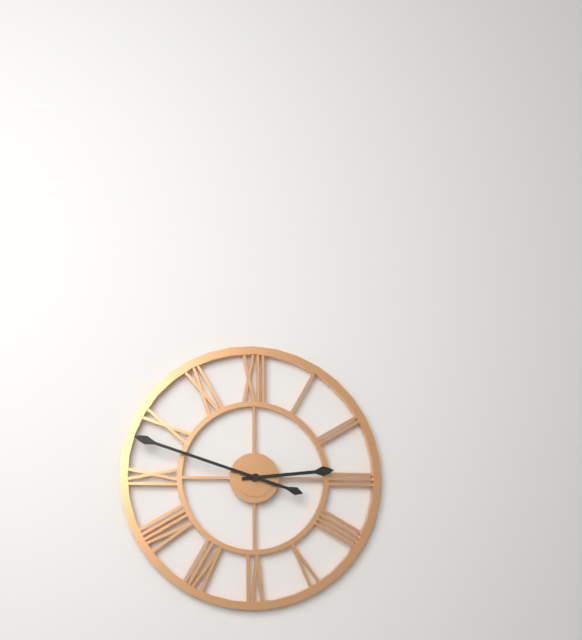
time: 2:48
